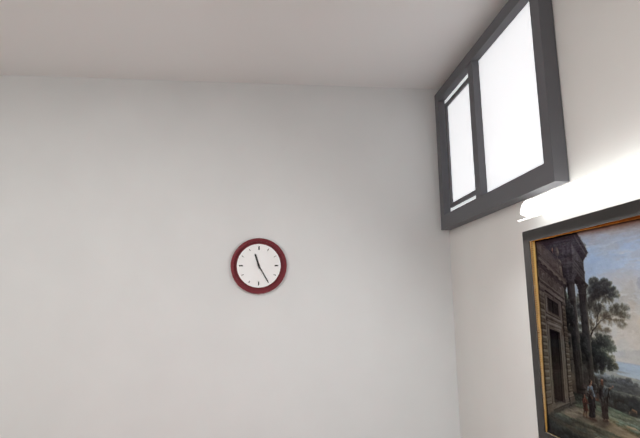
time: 11:25
